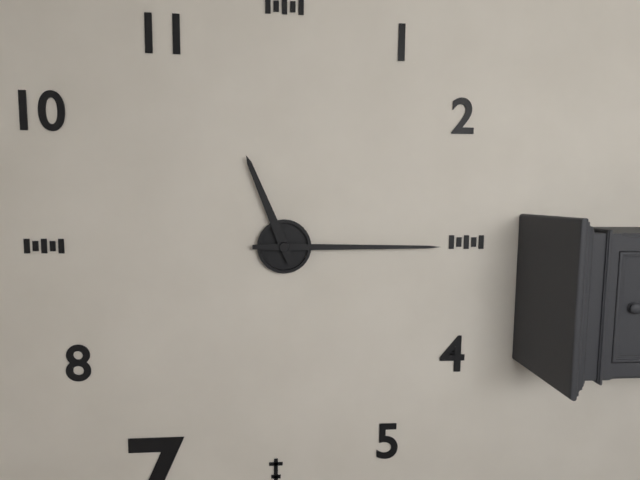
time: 11:15
